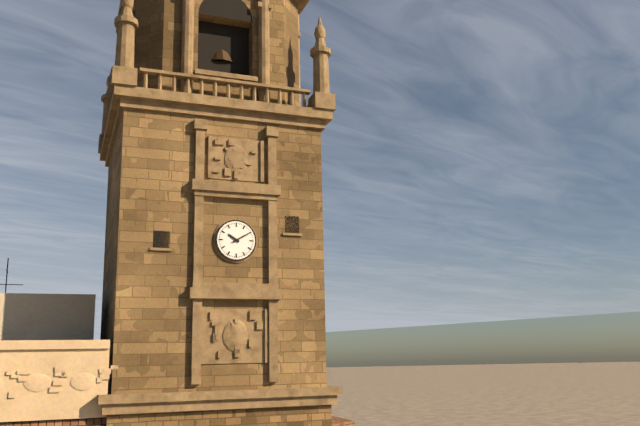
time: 10:10
